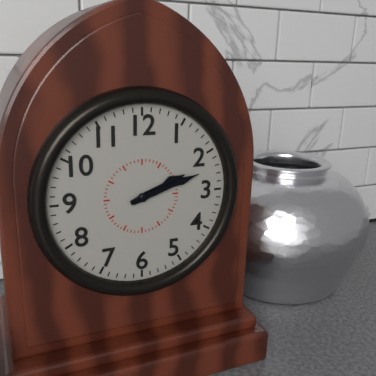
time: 2:12
